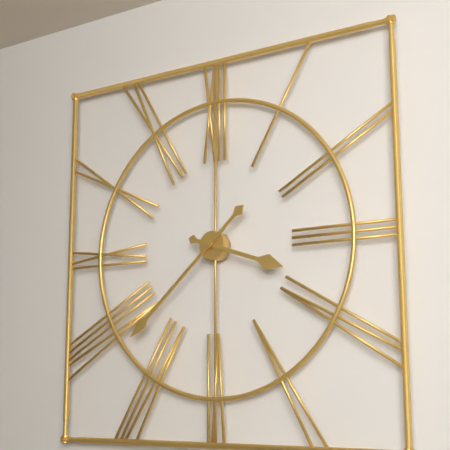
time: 3:38
